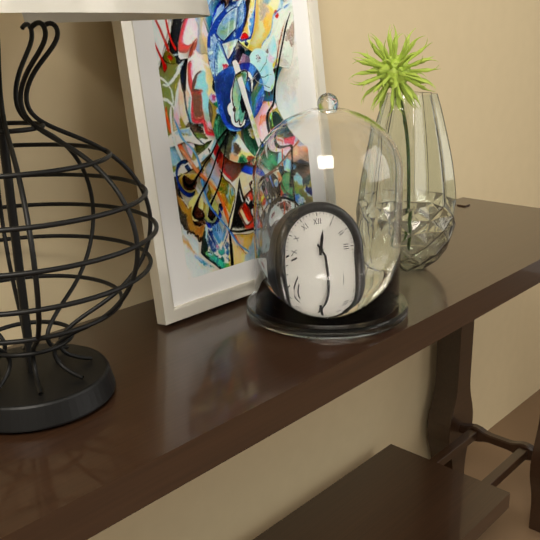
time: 12:25
